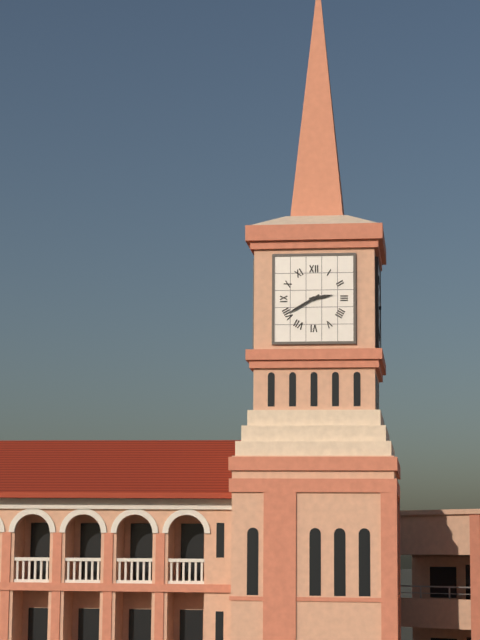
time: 2:40
